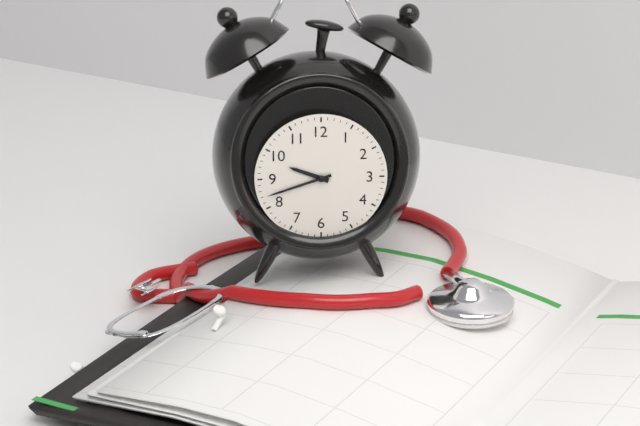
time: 9:42
